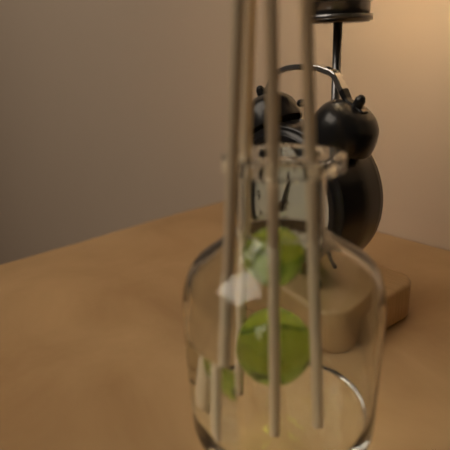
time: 12:38
